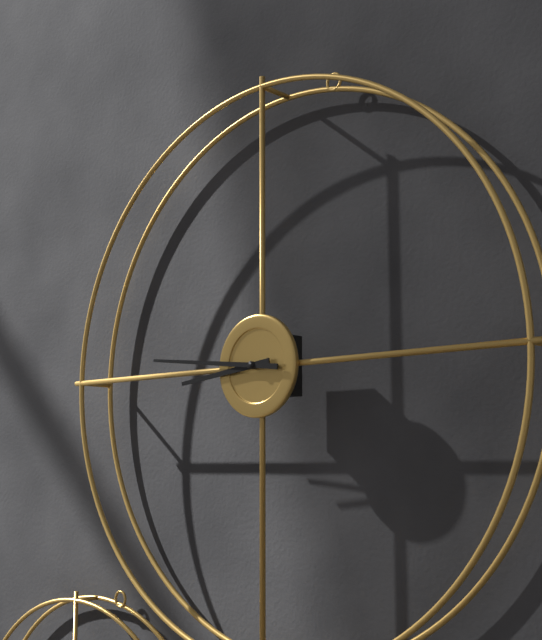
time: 8:46
